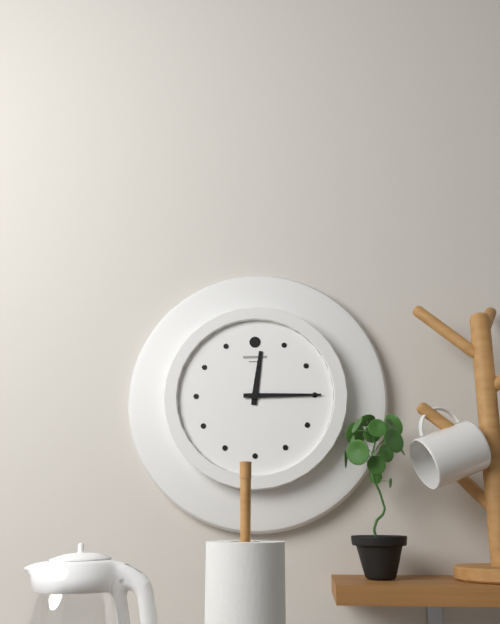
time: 12:15
